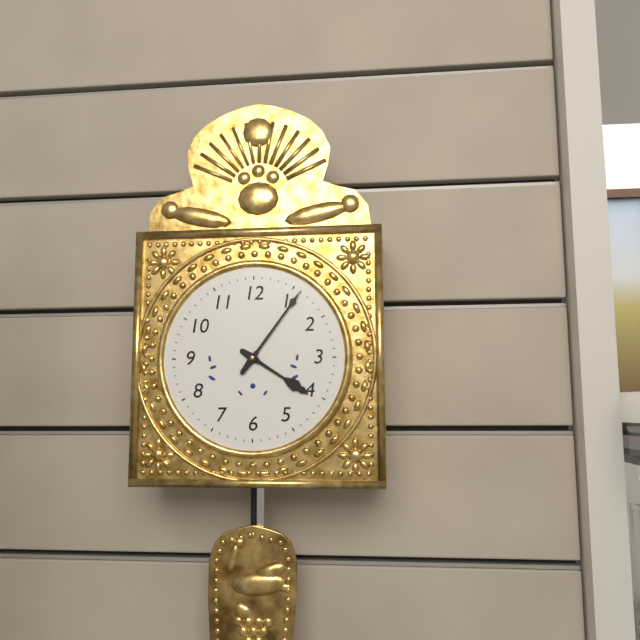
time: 4:06
